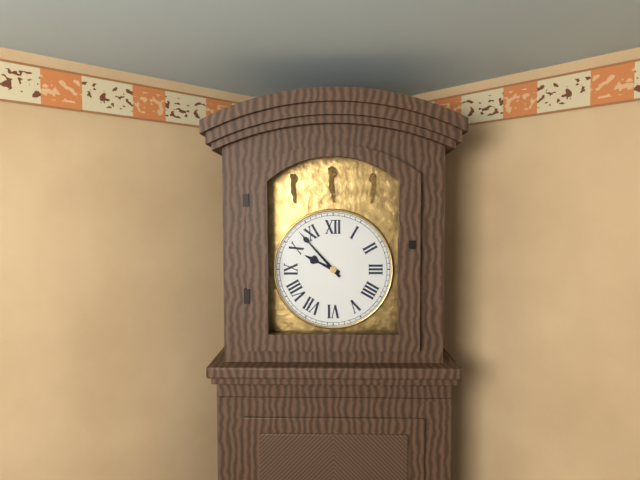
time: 9:53
